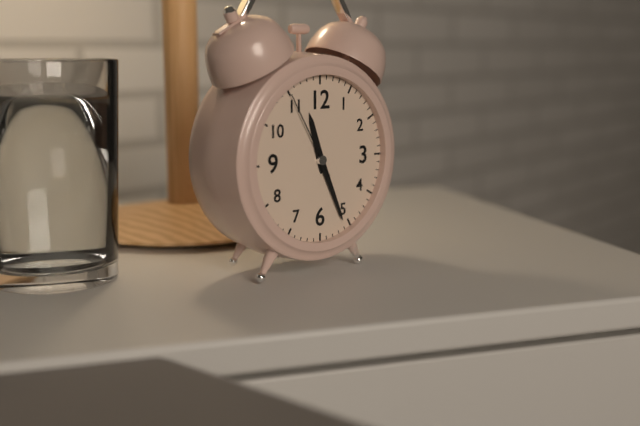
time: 11:26:55
